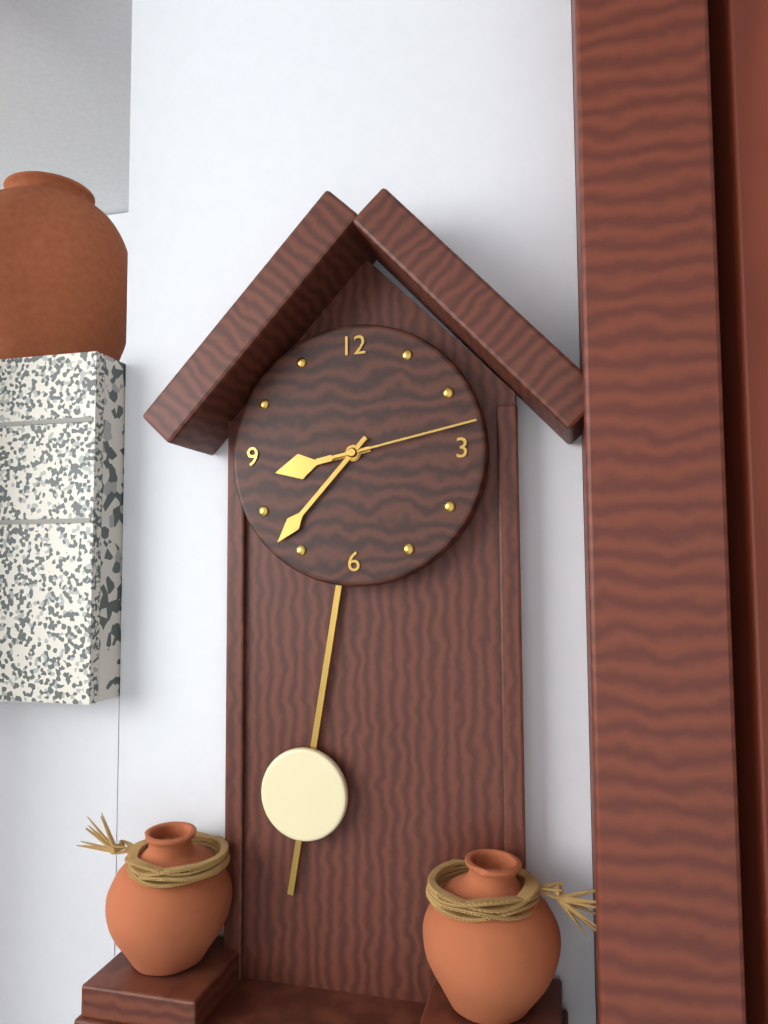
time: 8:37:13
